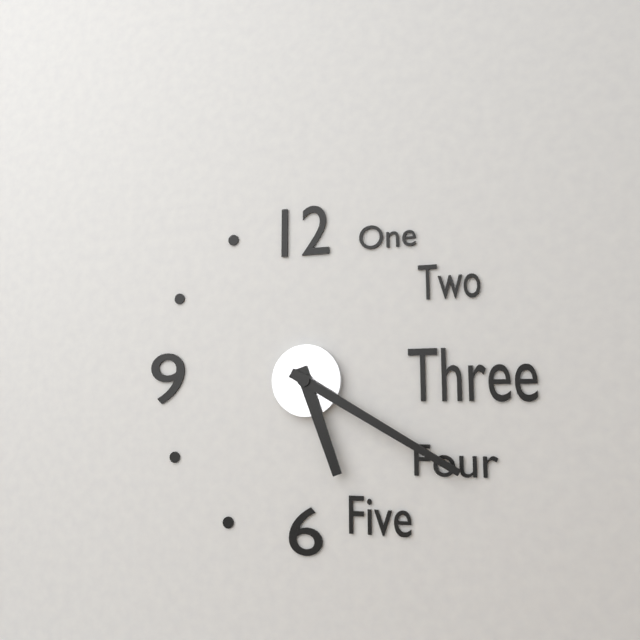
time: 5:20
